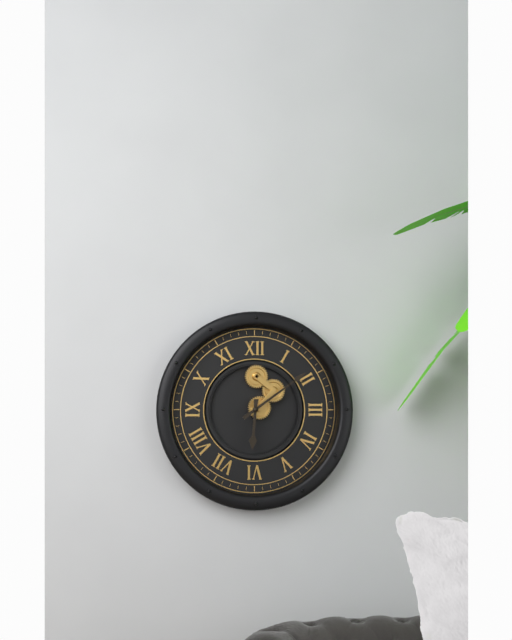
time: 6:09
